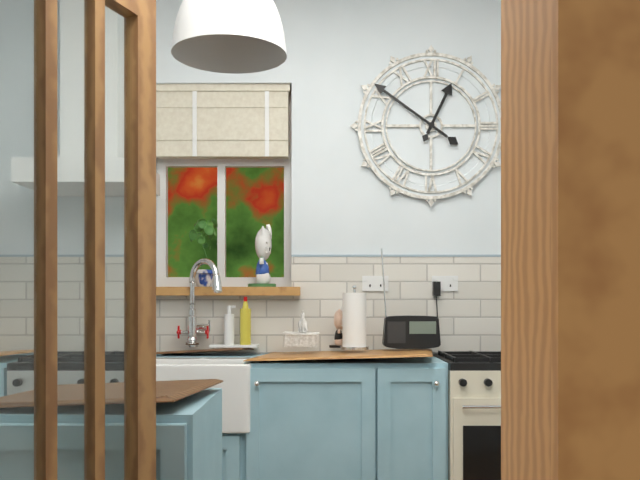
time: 12:51
